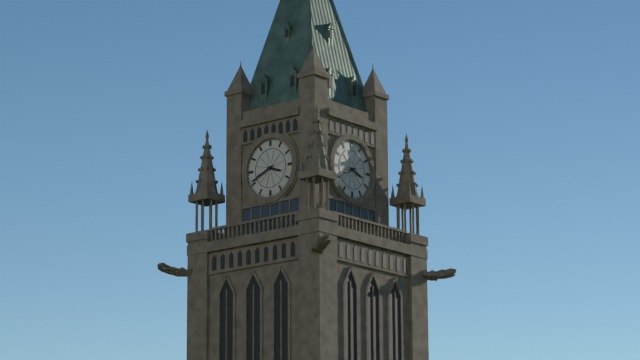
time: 3:41
